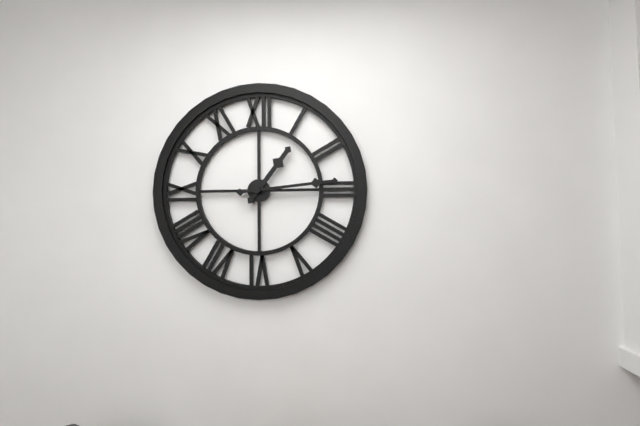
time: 1:14
